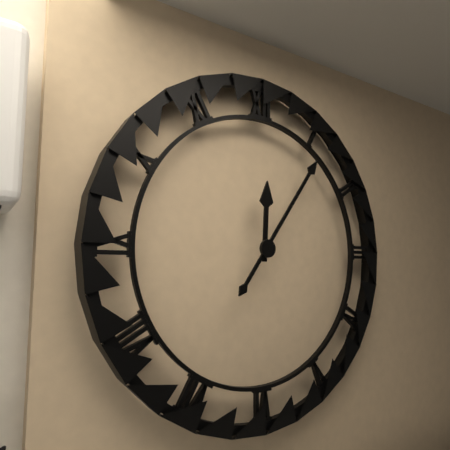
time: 12:06
